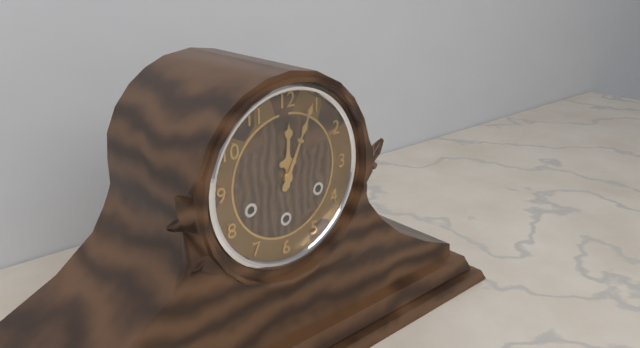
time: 12:04
